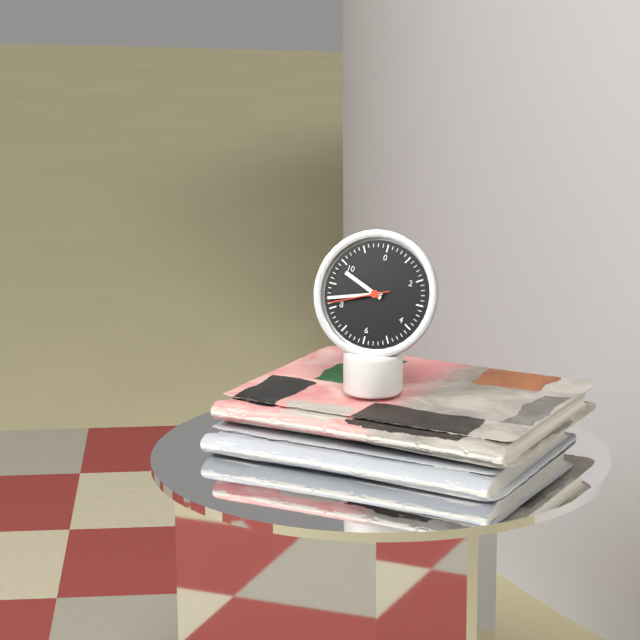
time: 9:42:41
